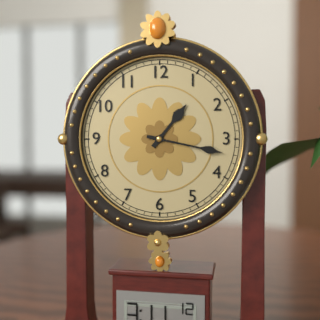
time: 1:17
